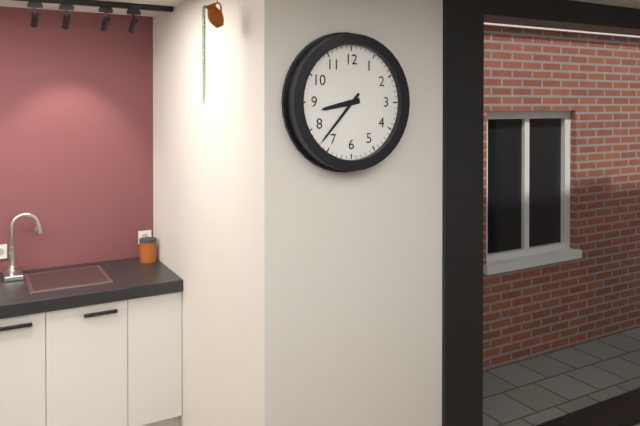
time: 8:37
